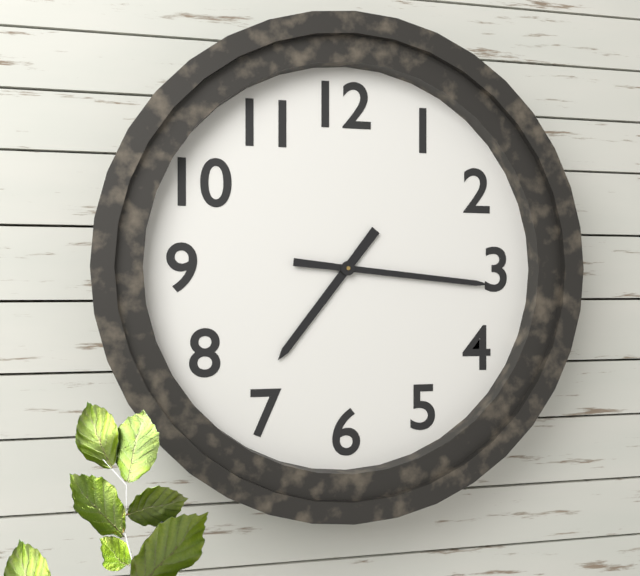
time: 7:16
